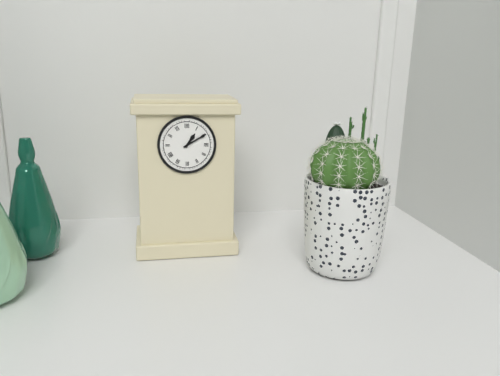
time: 1:10
